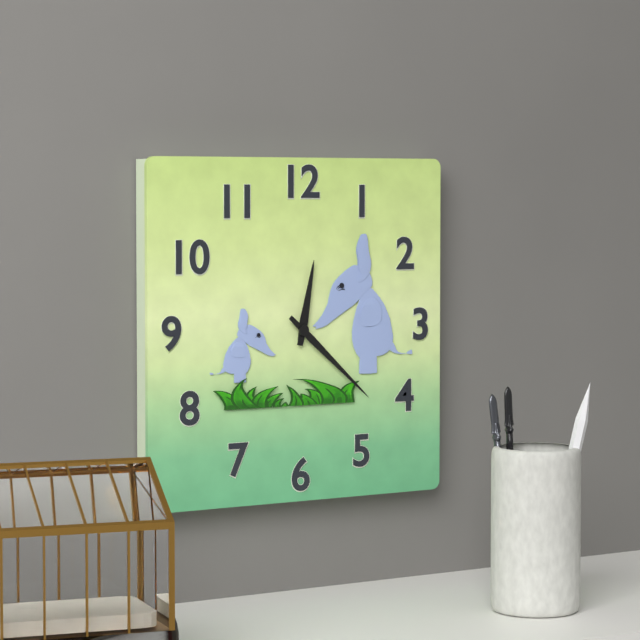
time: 12:22
